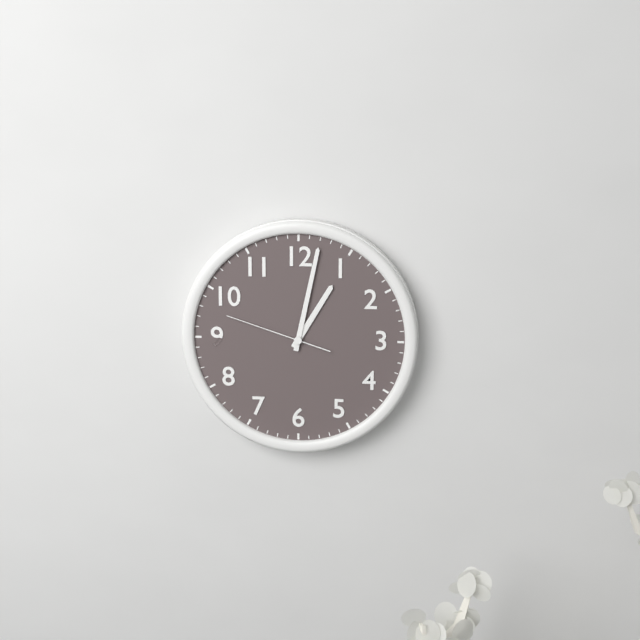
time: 1:02:48
